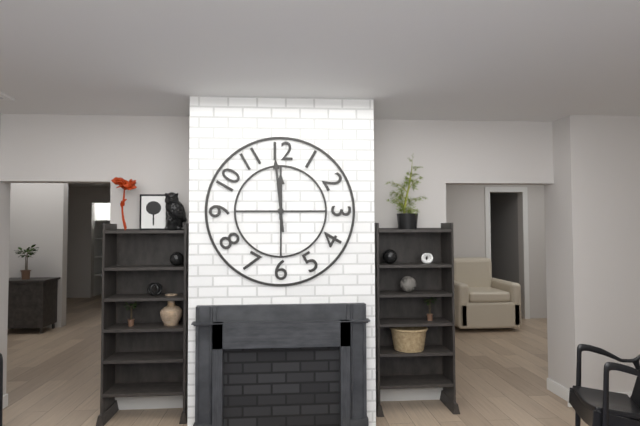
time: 11:59
